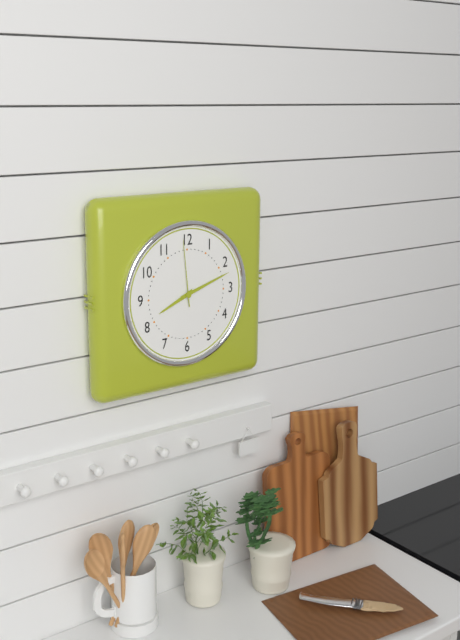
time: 8:12:59
